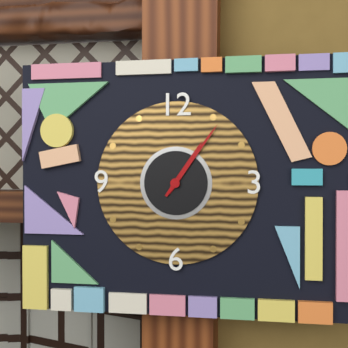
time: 1:06
